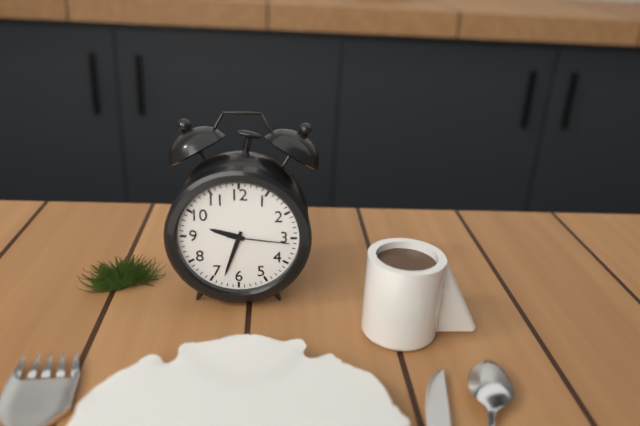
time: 9:33:16
